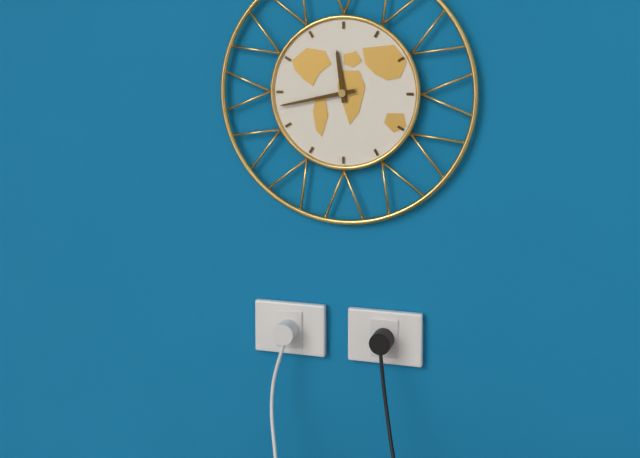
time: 11:43
